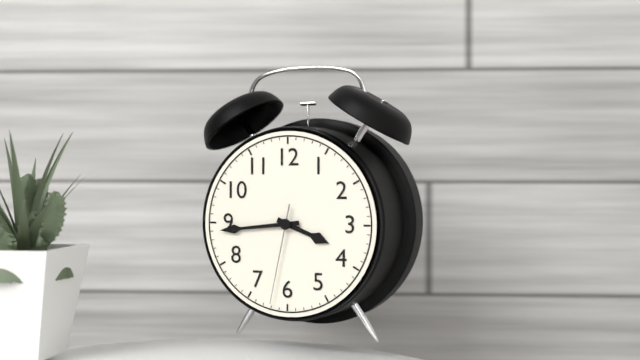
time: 3:44:32
